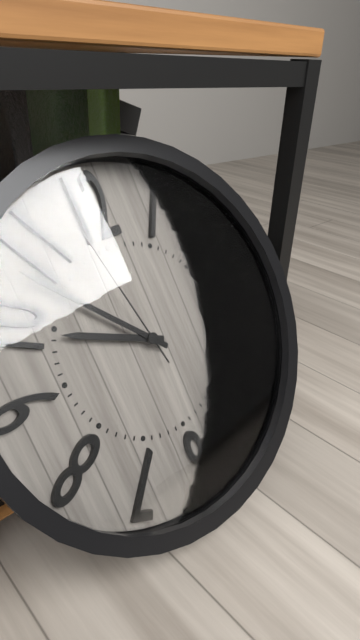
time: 9:53:58
